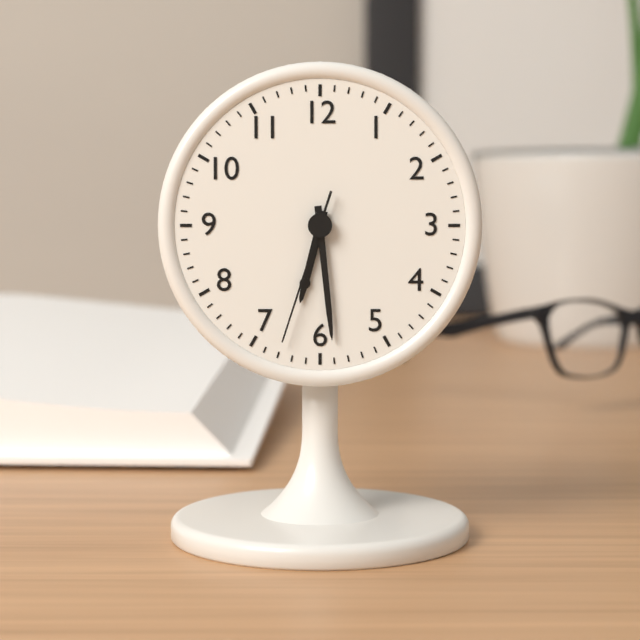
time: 6:29:33
